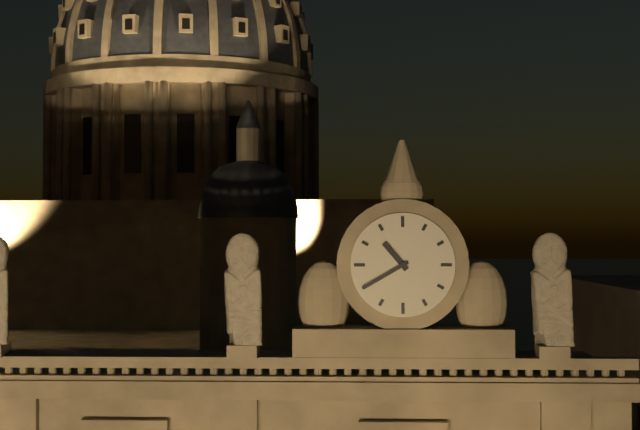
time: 10:40
